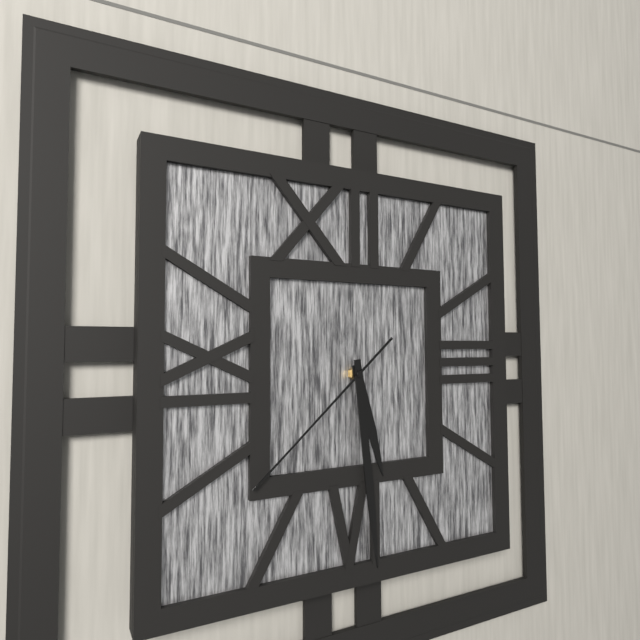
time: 5:29:38
